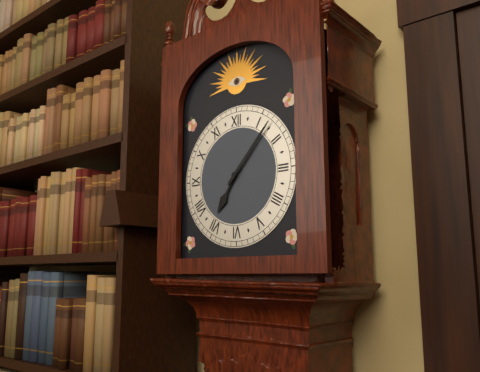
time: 7:07
